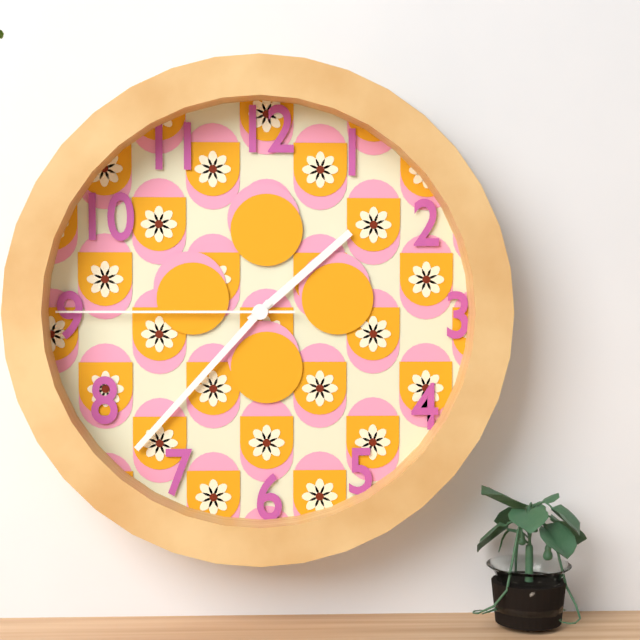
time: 1:37:45
